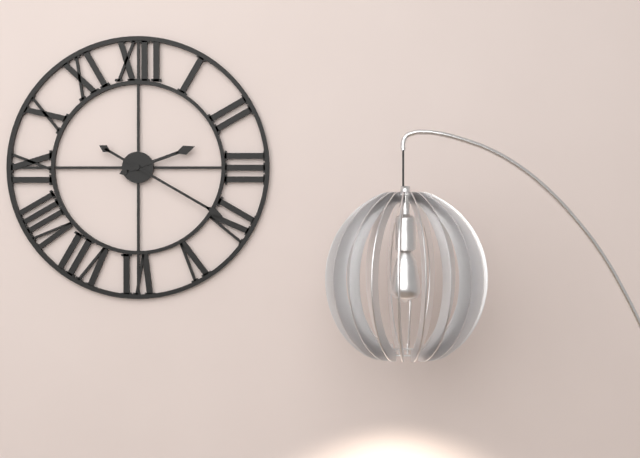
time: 2:20
